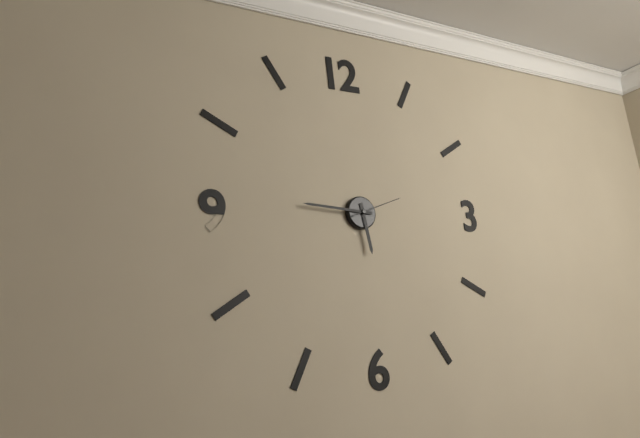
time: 5:46:12
